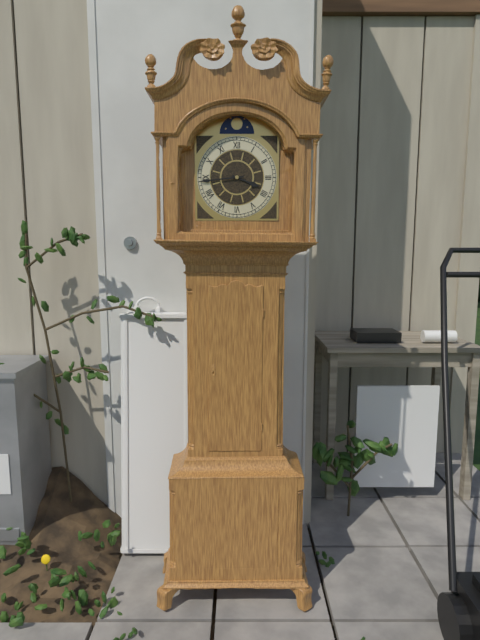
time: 3:44
